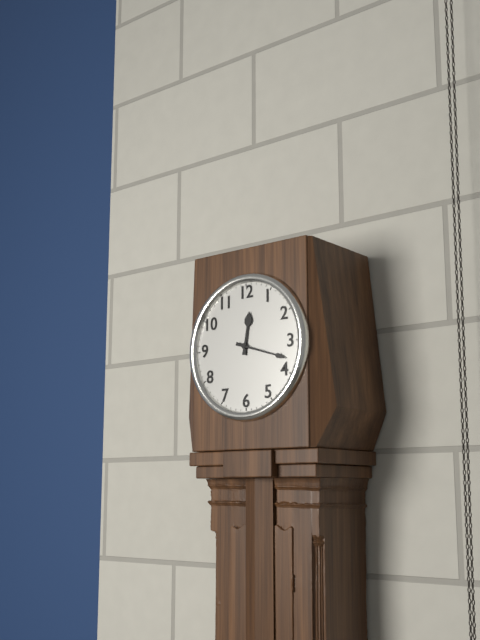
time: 12:18
